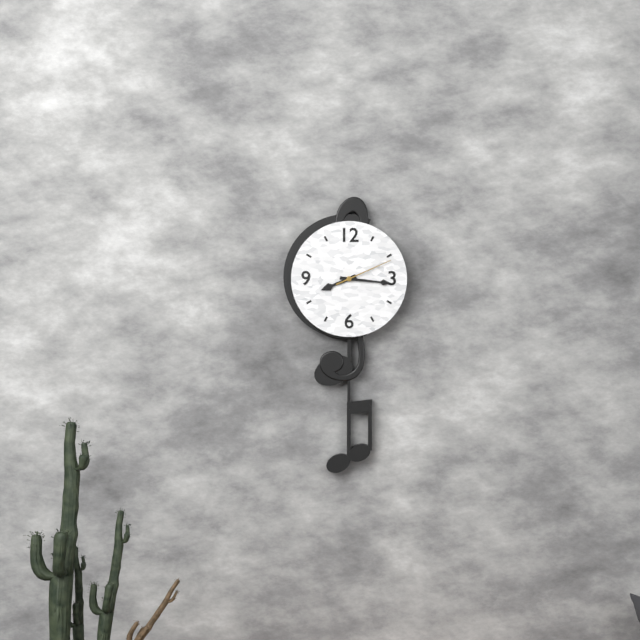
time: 8:16:11
